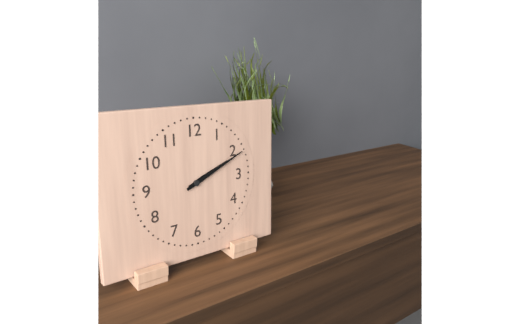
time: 2:11
